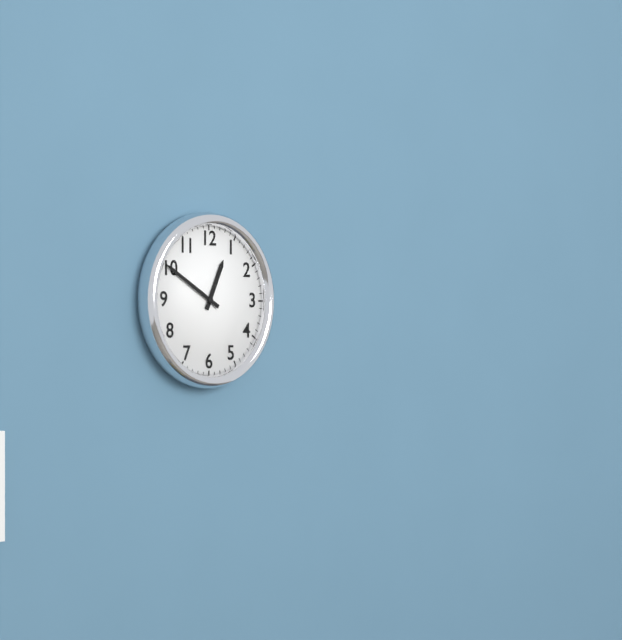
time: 12:50
